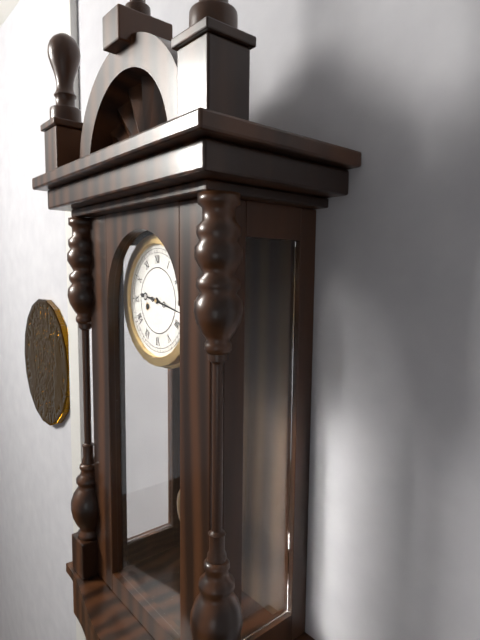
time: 9:17
